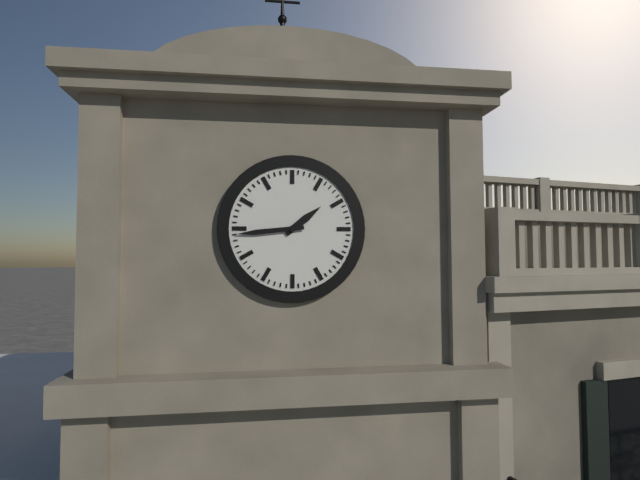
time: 1:44
